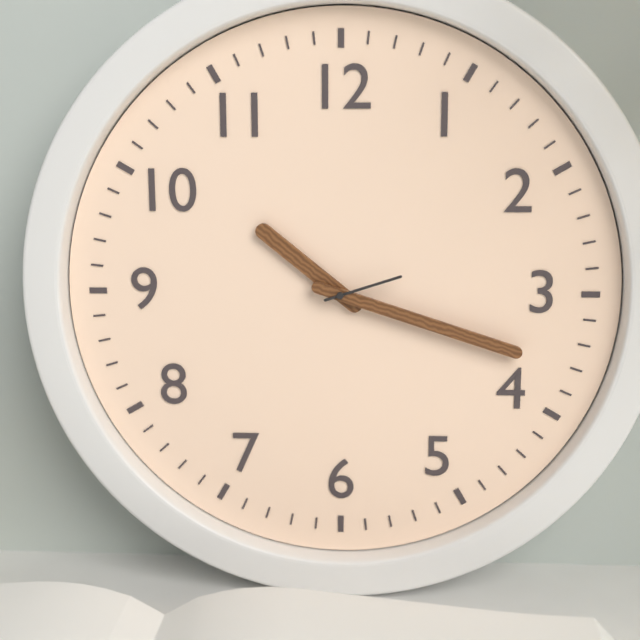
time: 10:18:12
